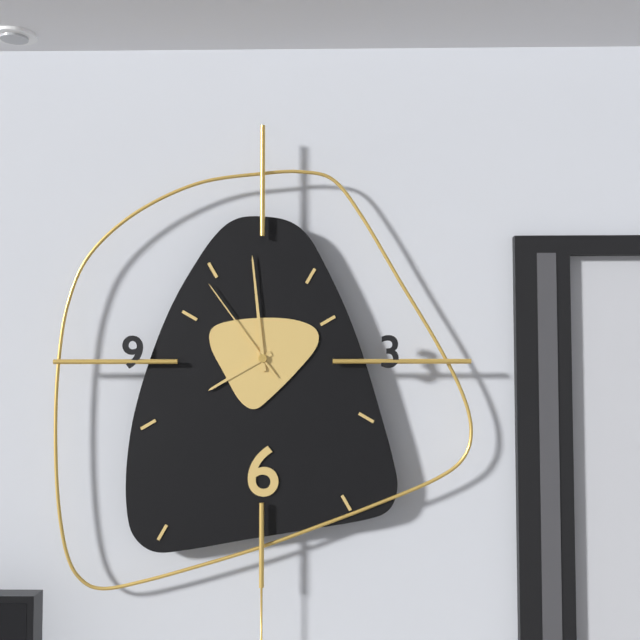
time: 7:59:54
